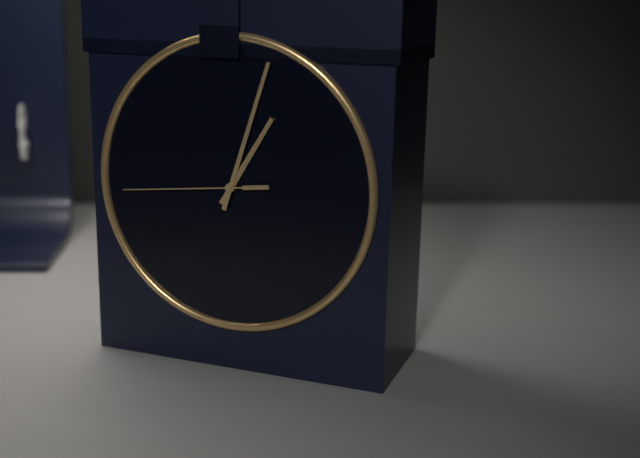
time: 1:03:44
